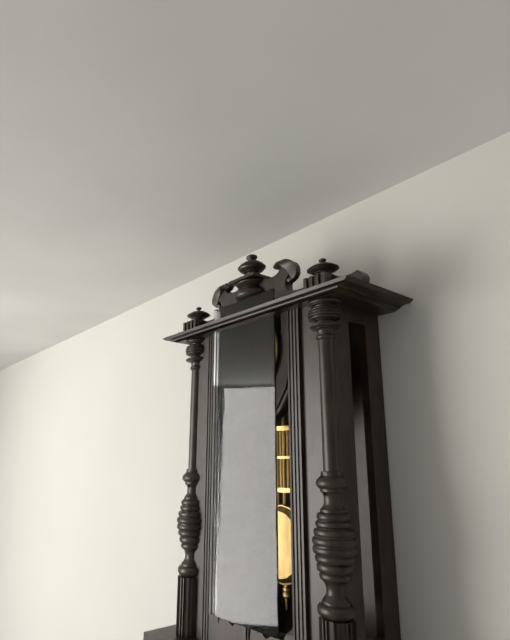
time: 7:39
